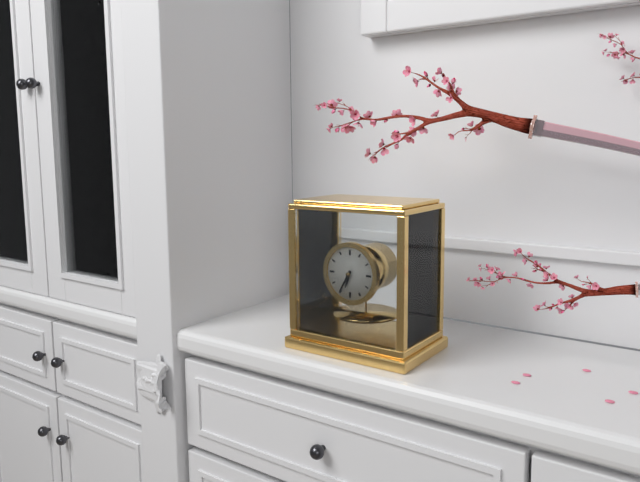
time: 6:35
